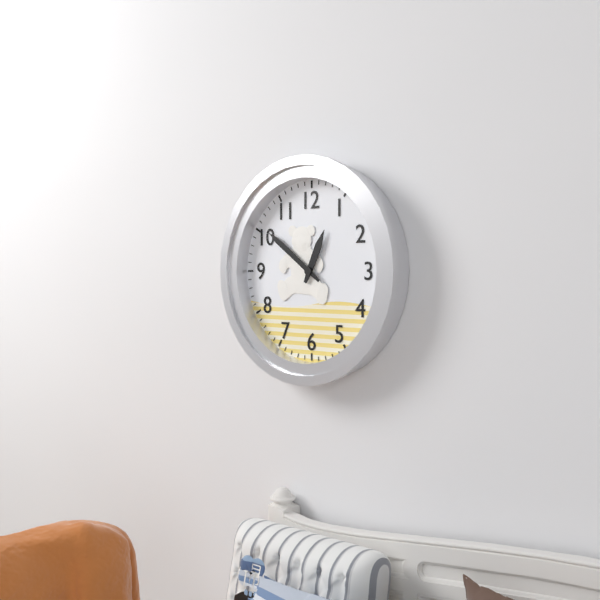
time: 12:51
